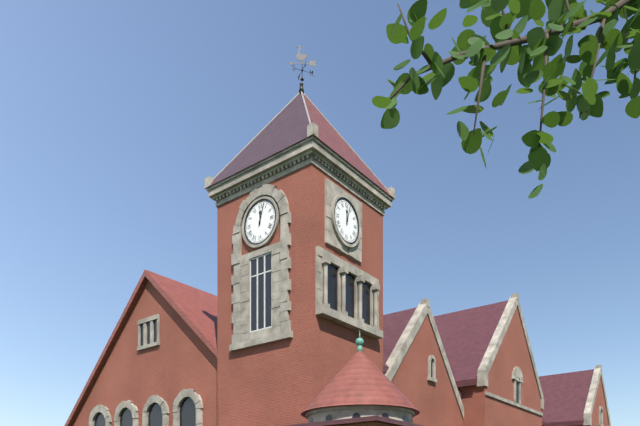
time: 12:03
